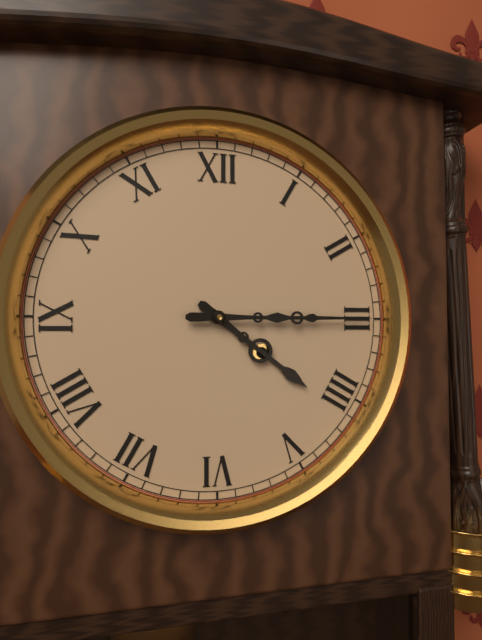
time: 4:15
